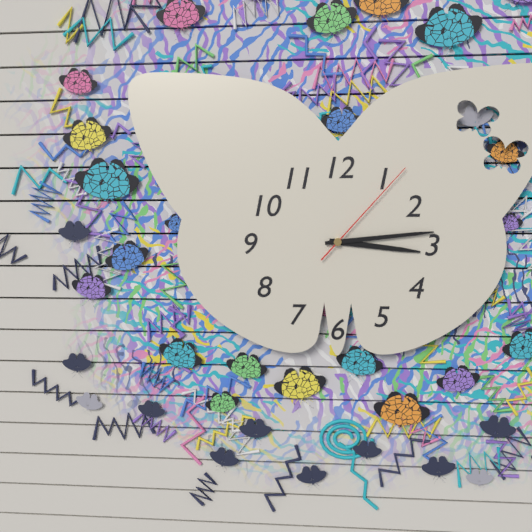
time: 3:14:07
